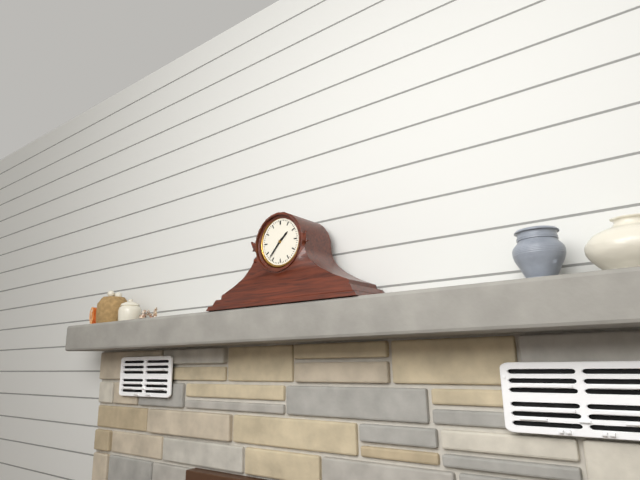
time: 1:37
